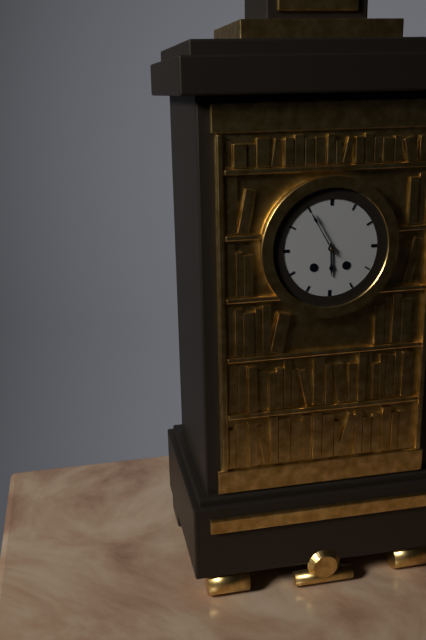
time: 5:55
